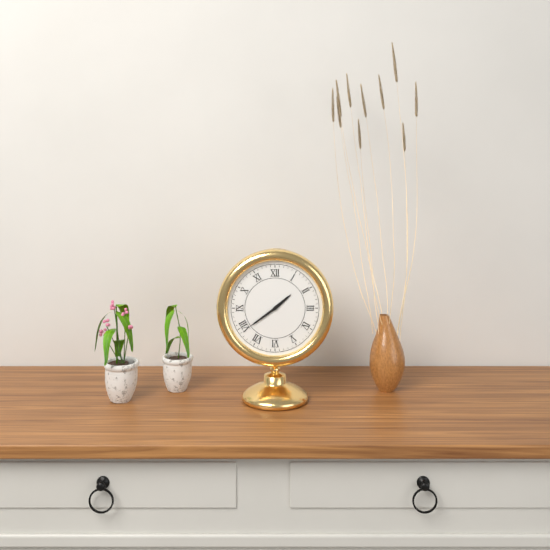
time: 1:39
